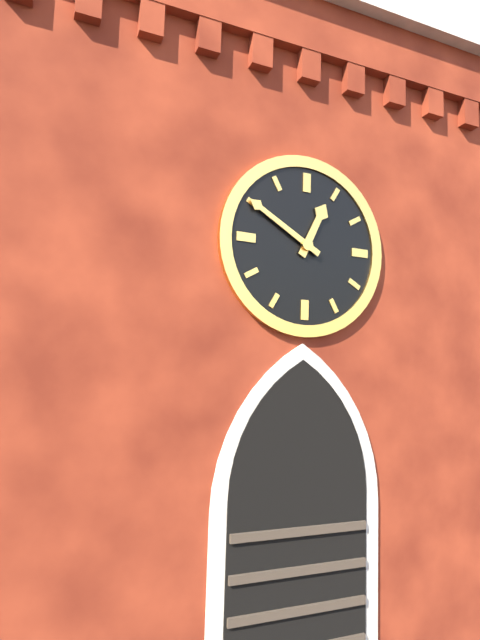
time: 12:50
